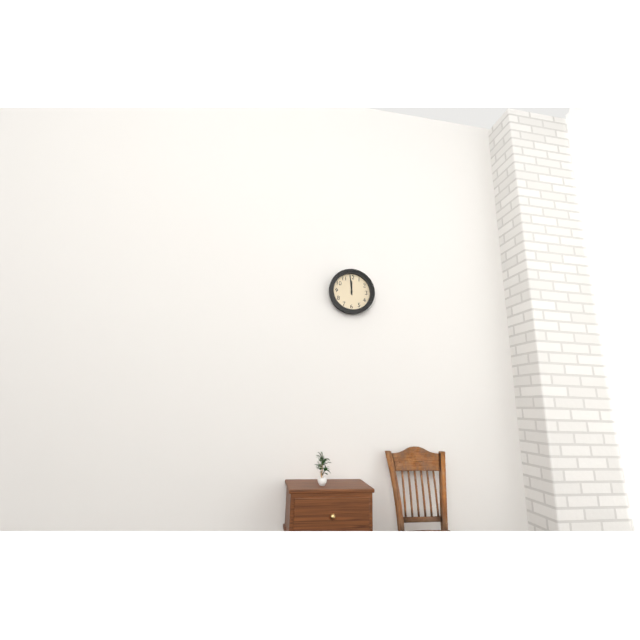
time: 11:59
